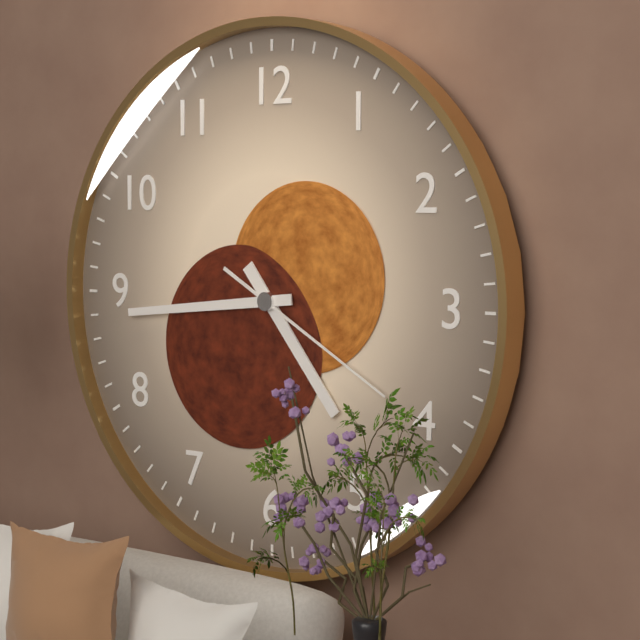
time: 4:44:20
